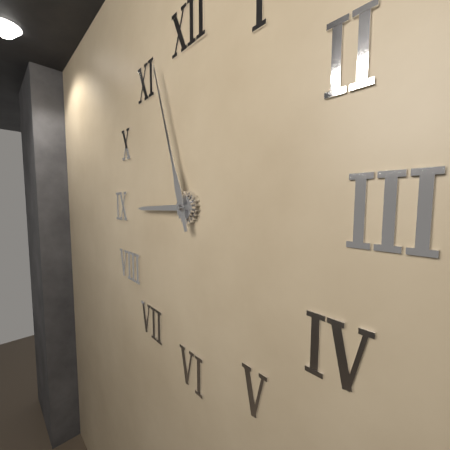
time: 8:57
